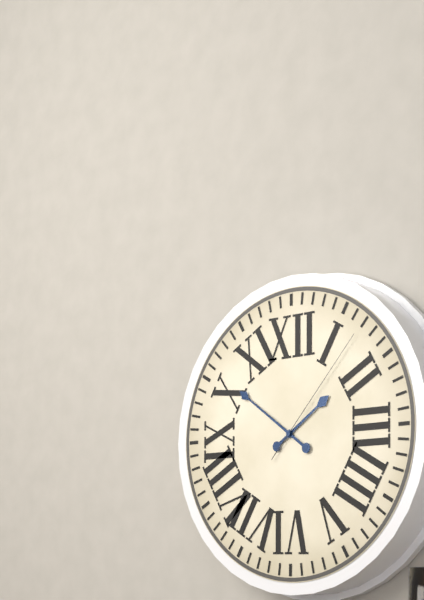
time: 1:51:07
